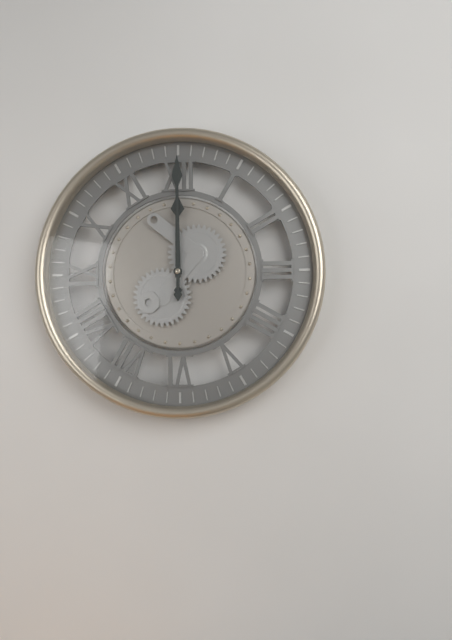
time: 12:00
